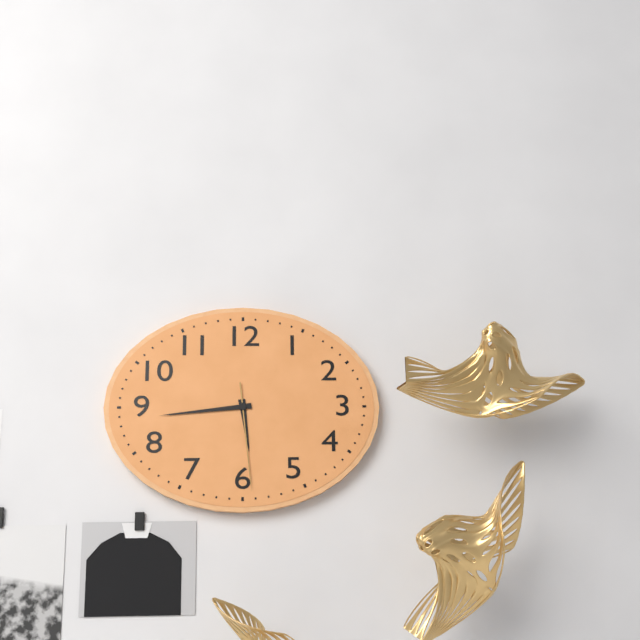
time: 5:44:29
